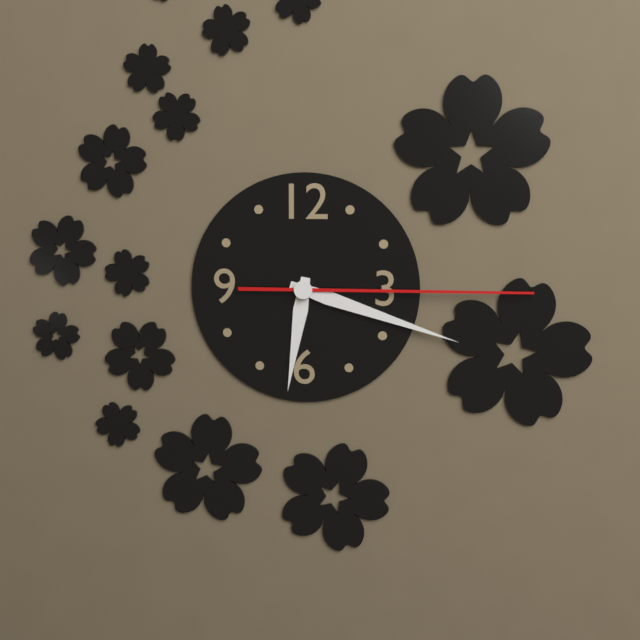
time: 6:18:15
